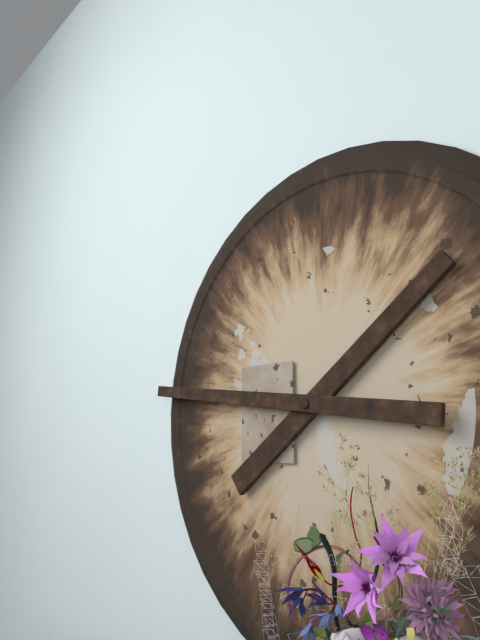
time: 1:46
